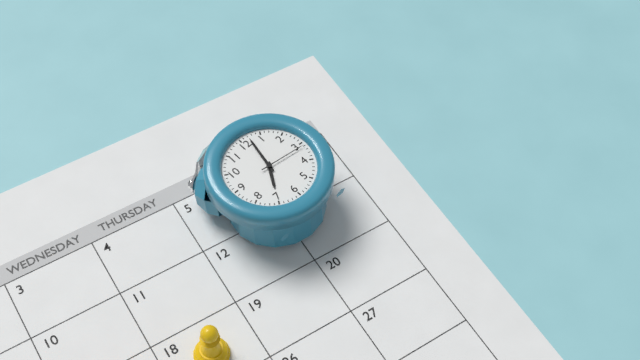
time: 7:02:16
